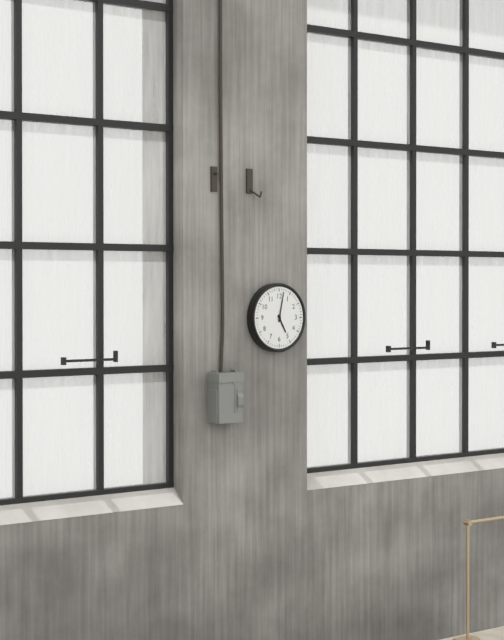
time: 5:02
